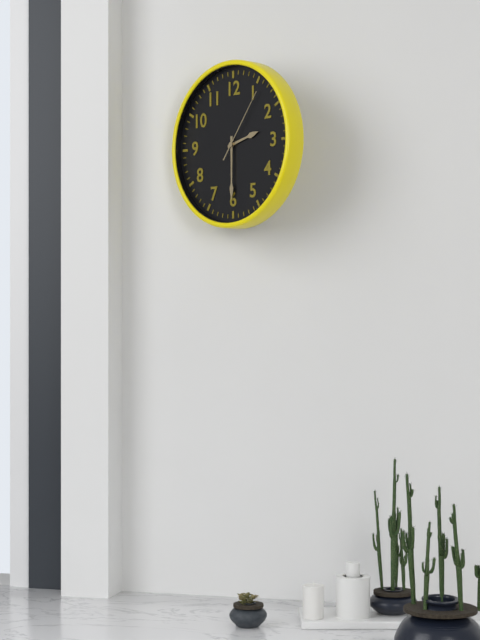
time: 2:30:06
